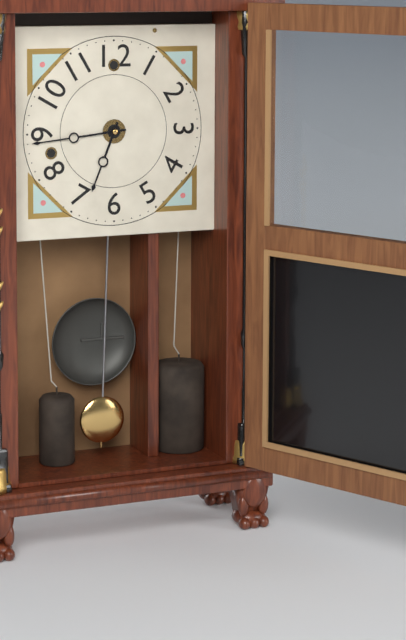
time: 6:44
